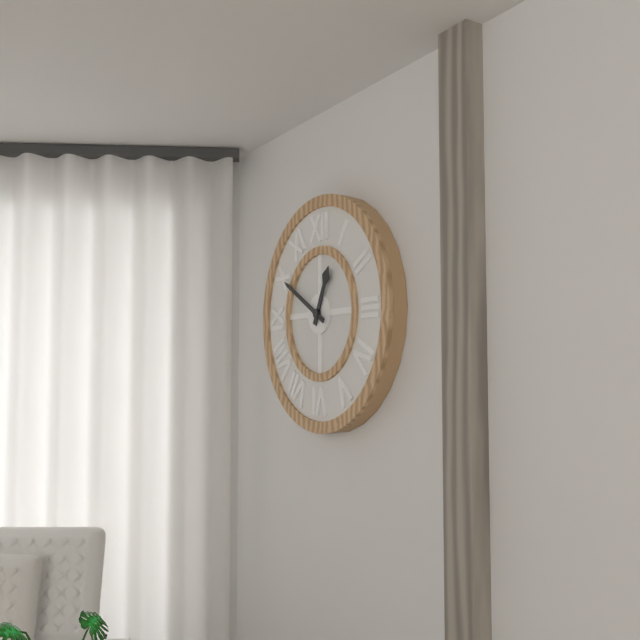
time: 12:50
